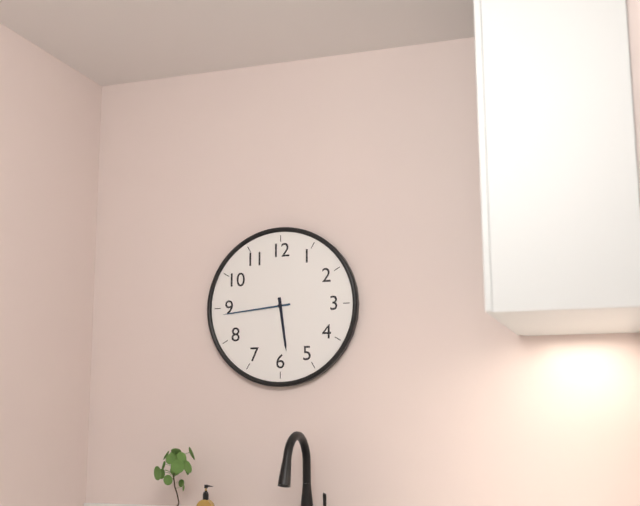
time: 5:44
